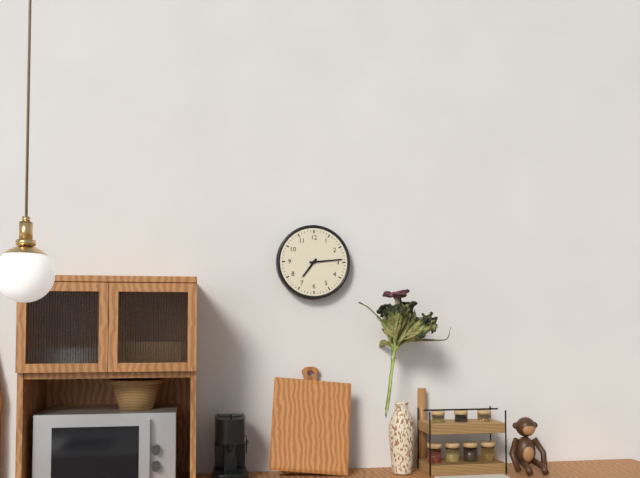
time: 7:14
